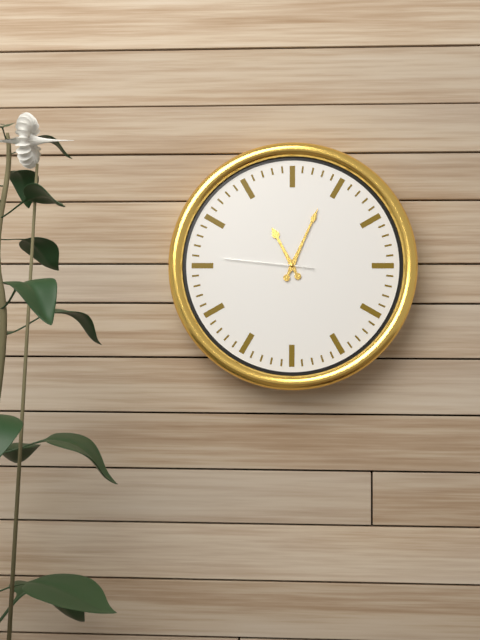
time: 11:04:46
